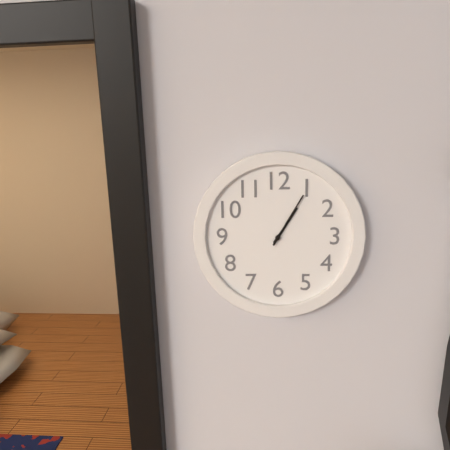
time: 1:05
